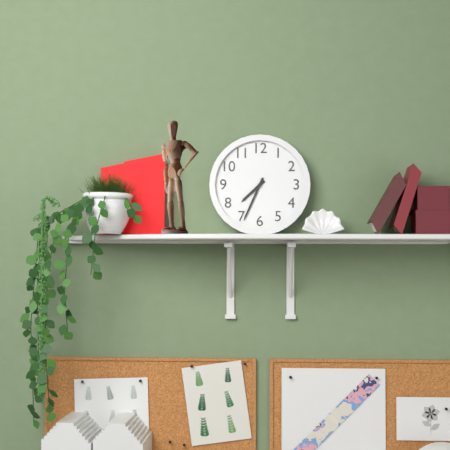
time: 7:34
